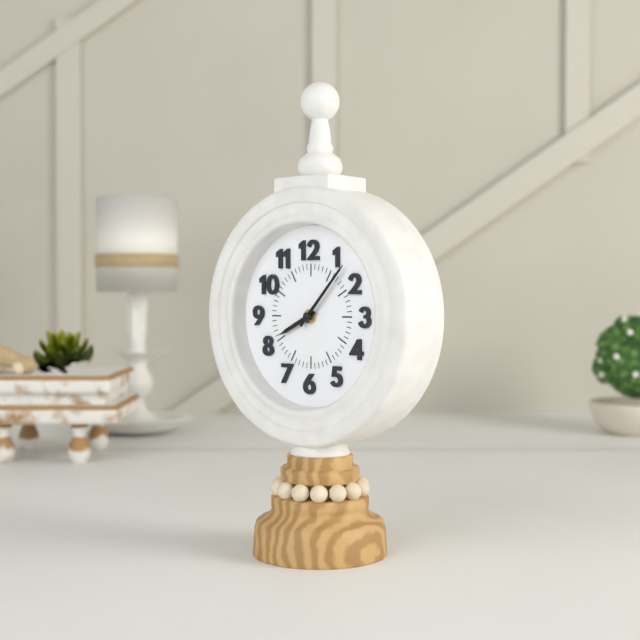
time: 8:07
